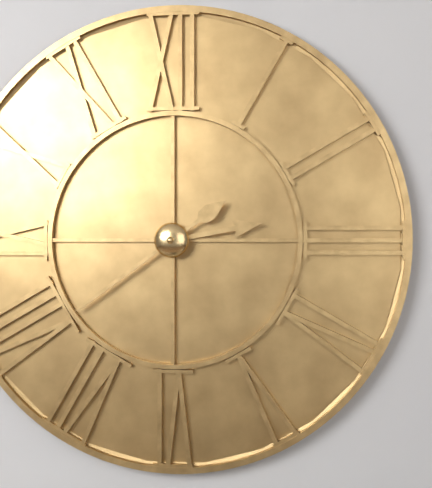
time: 2:39
